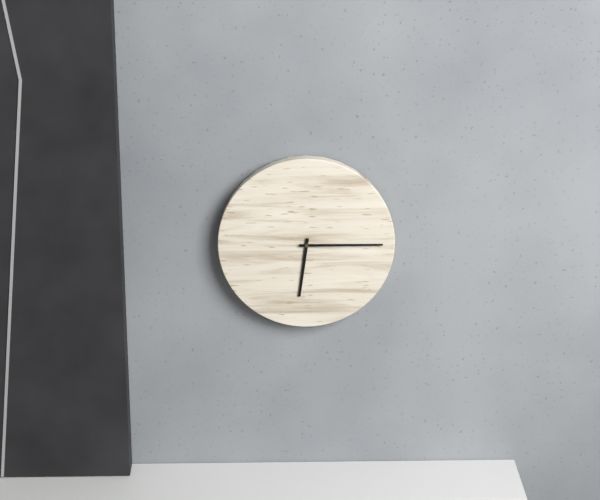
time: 6:15
